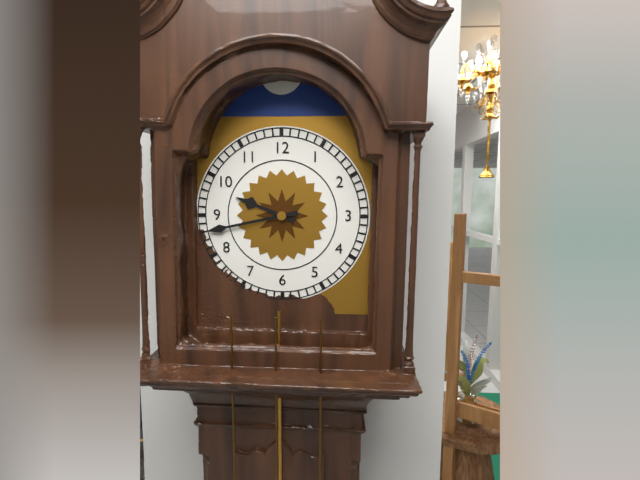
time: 9:43
